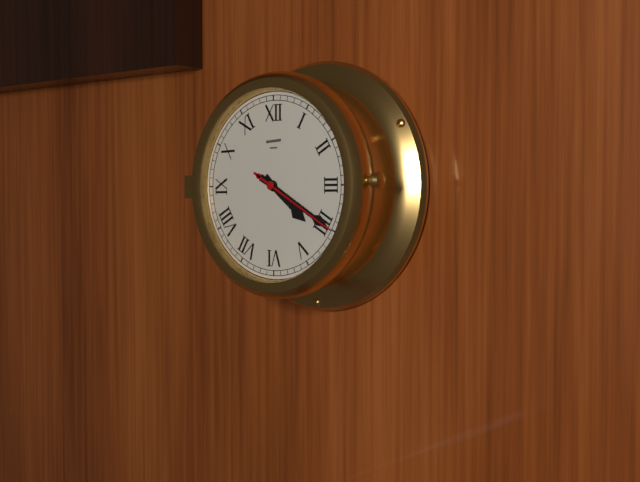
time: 4:20:20
